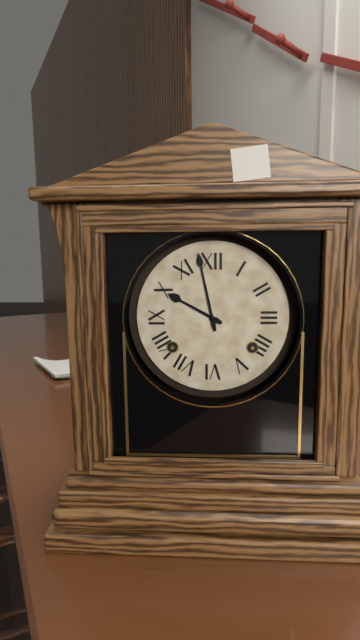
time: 9:58
